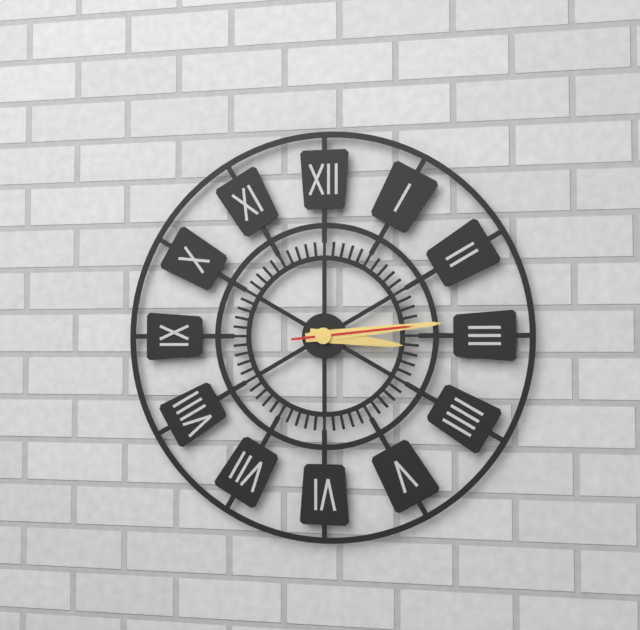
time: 3:14:14
